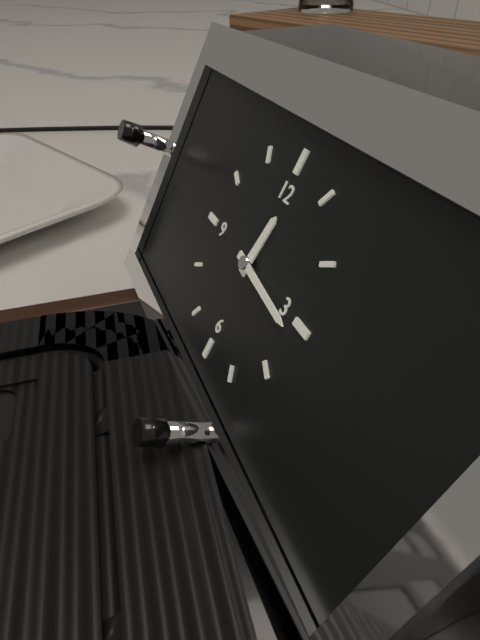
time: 12:16
